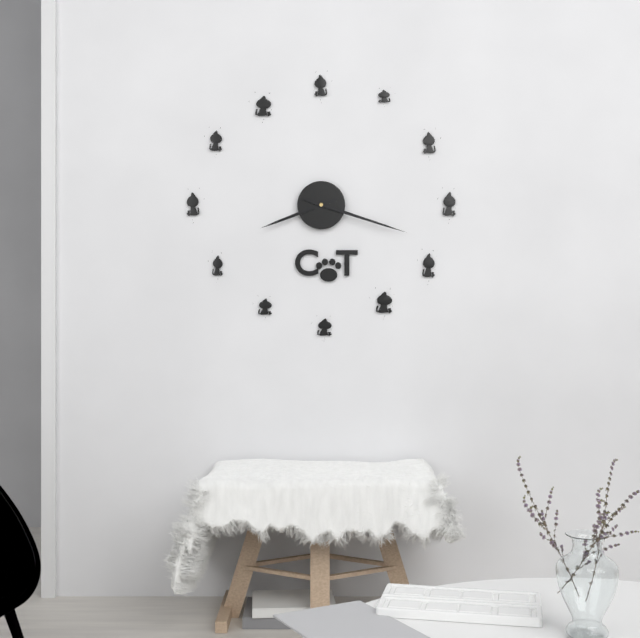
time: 8:18
